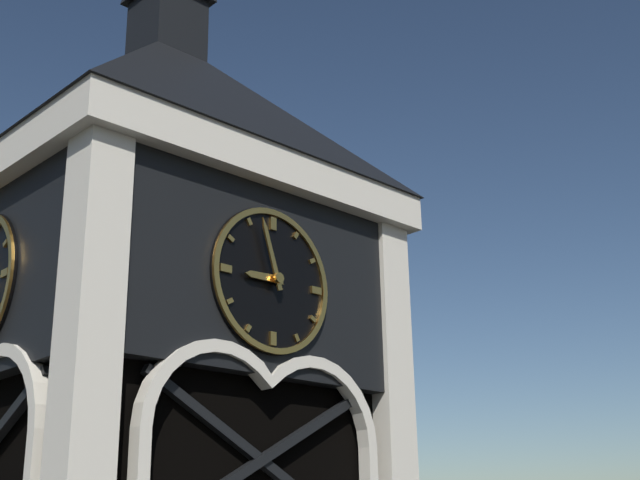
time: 8:57
